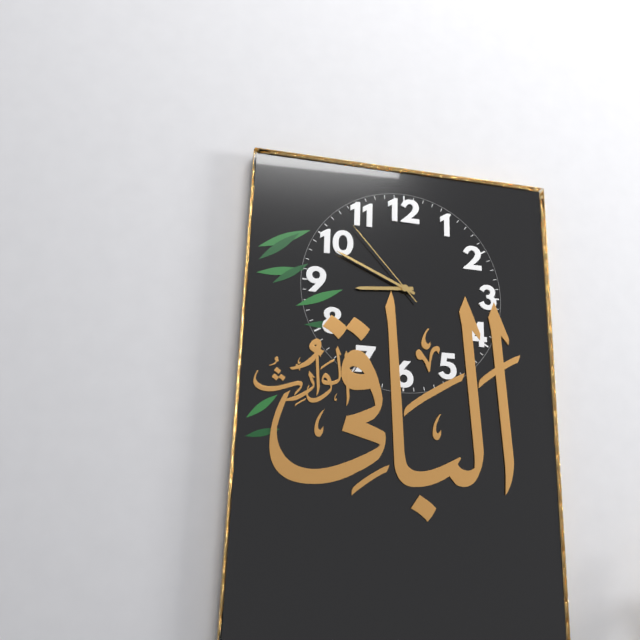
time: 8:49:53
